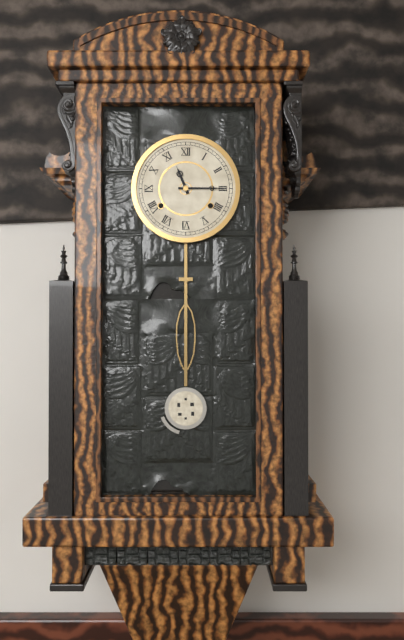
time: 11:15
